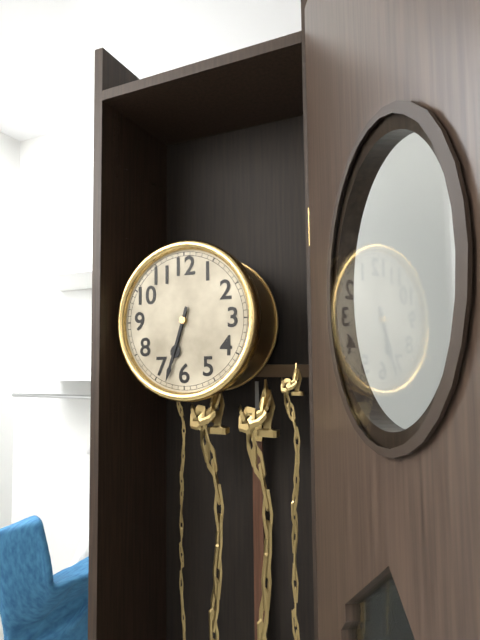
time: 6:33
